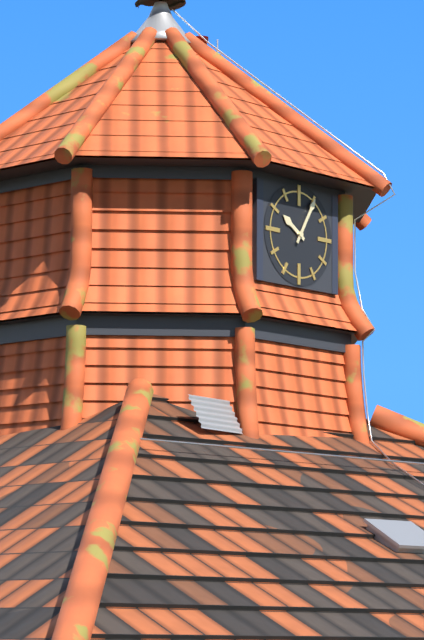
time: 10:05
